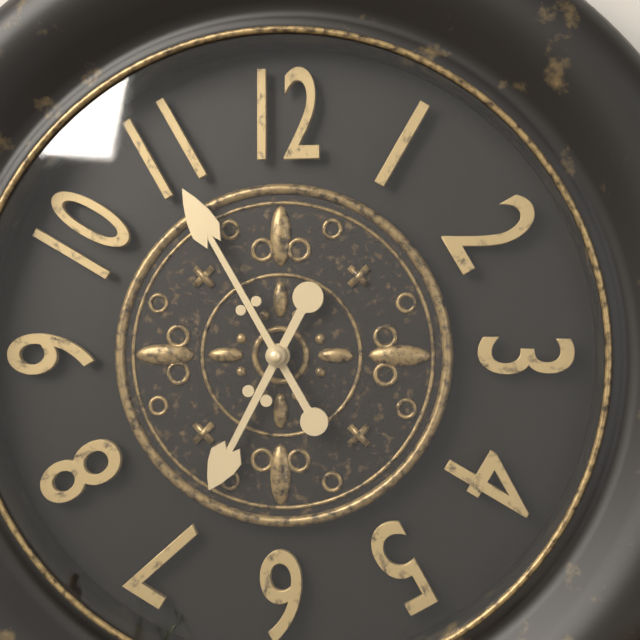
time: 6:55
